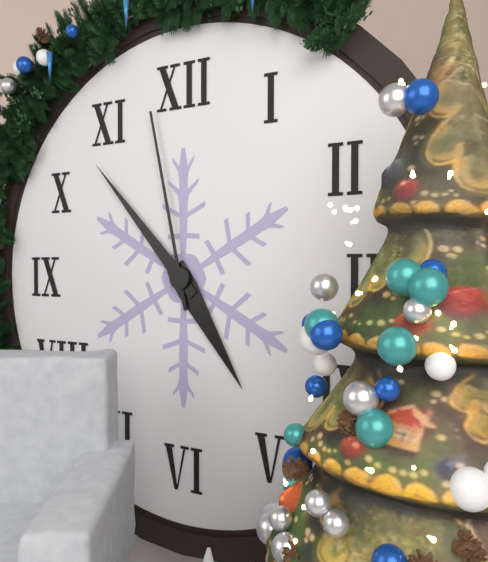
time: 4:53:58
